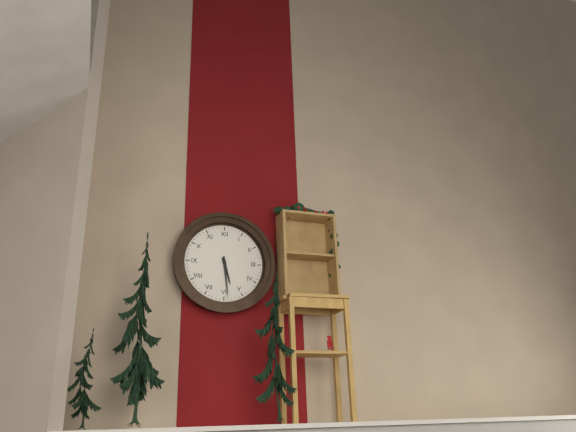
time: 5:29
